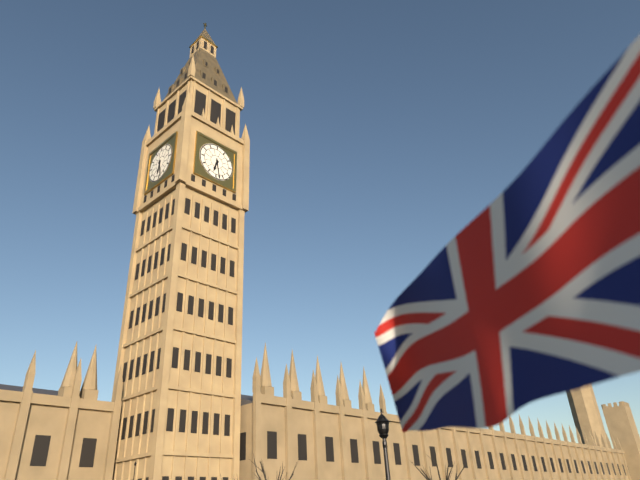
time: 6:28
